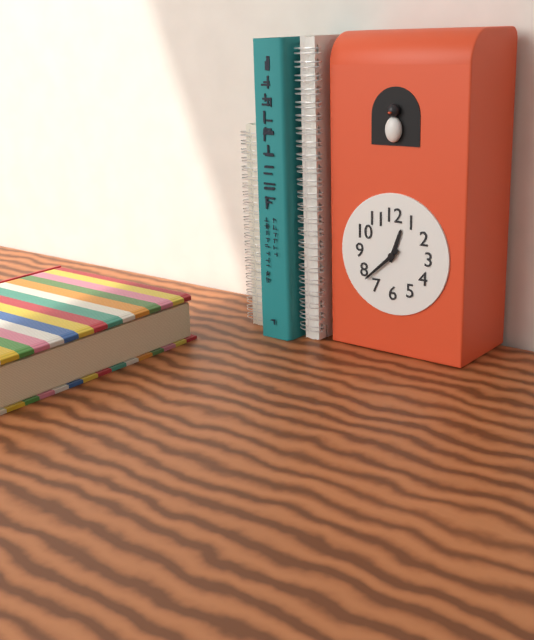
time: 12:38
